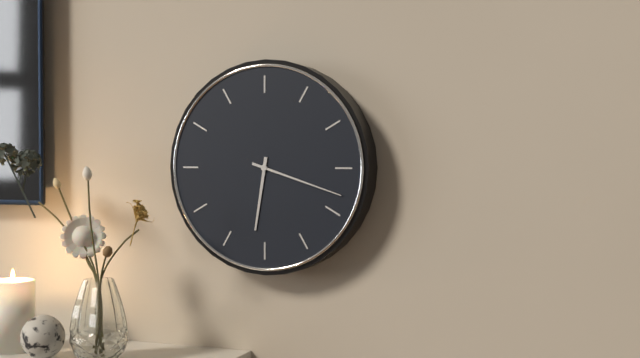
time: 6:18
